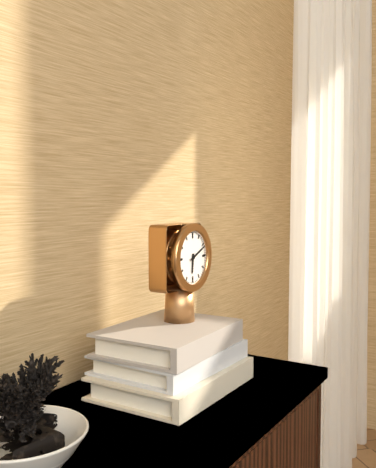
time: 6:11
